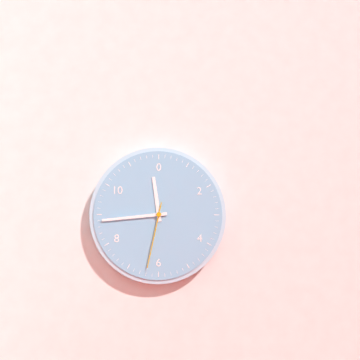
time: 11:44:32
